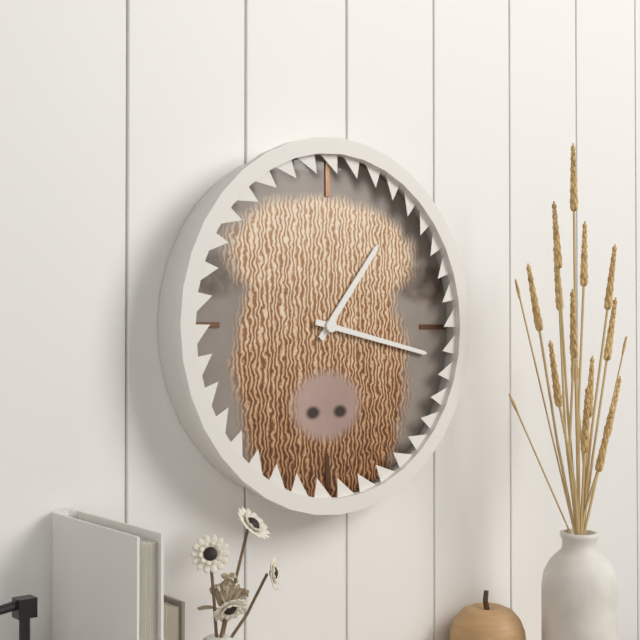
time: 1:17
